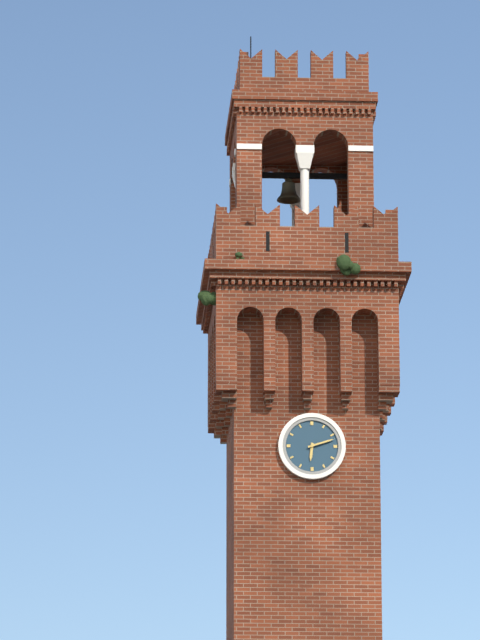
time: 6:12
